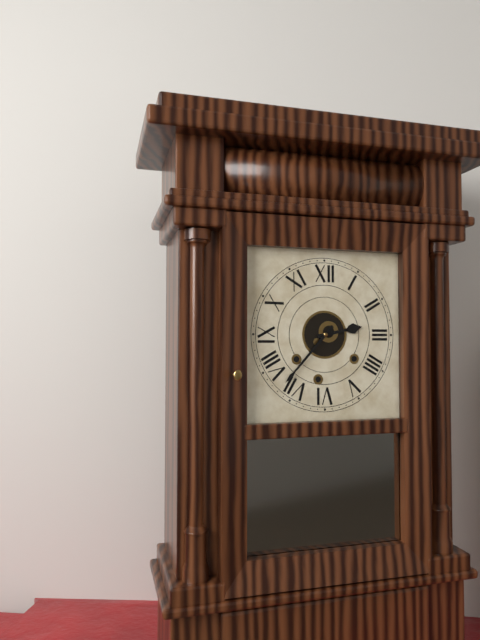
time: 2:37
